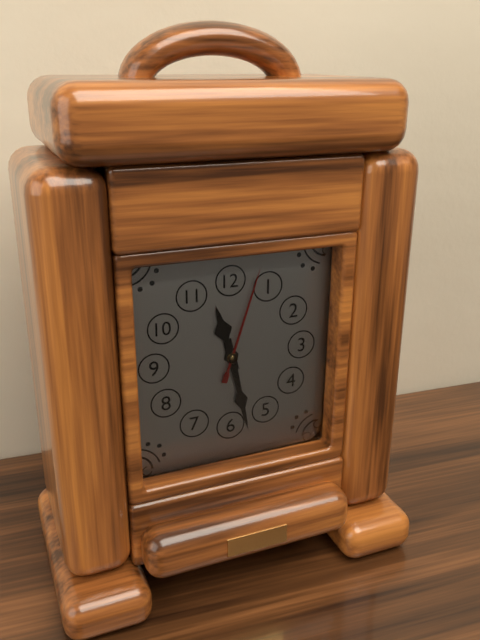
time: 11:28:03
